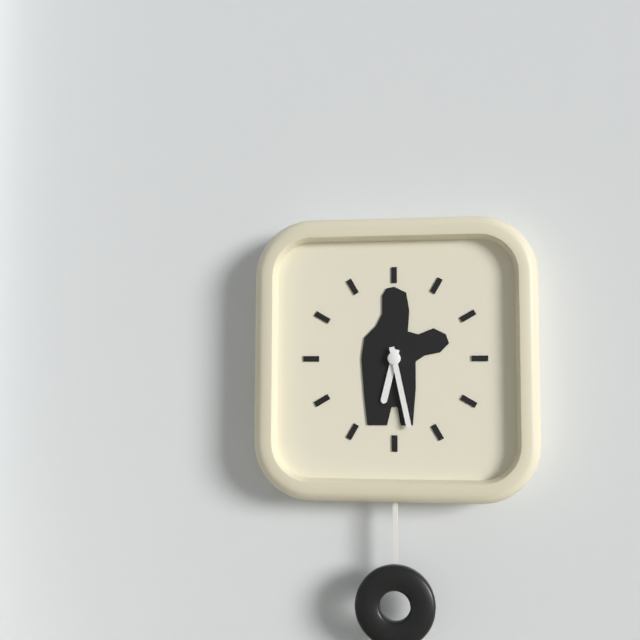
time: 6:28
